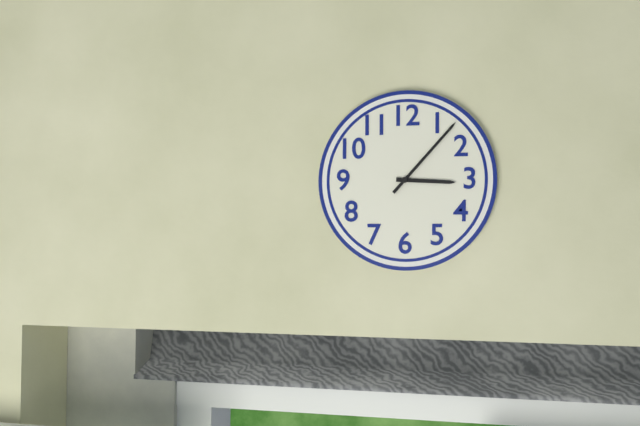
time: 3:07
